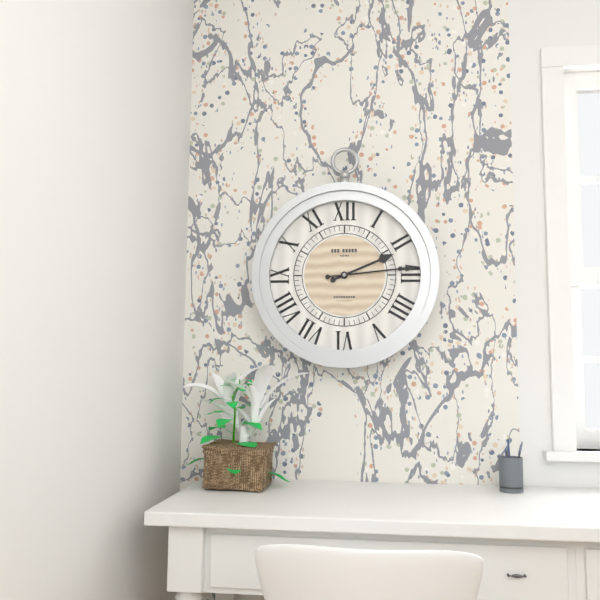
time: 2:14
